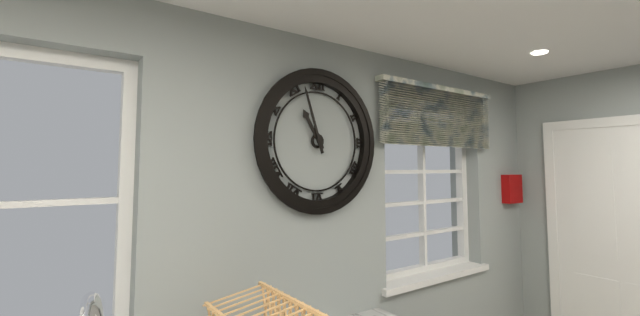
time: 10:57
